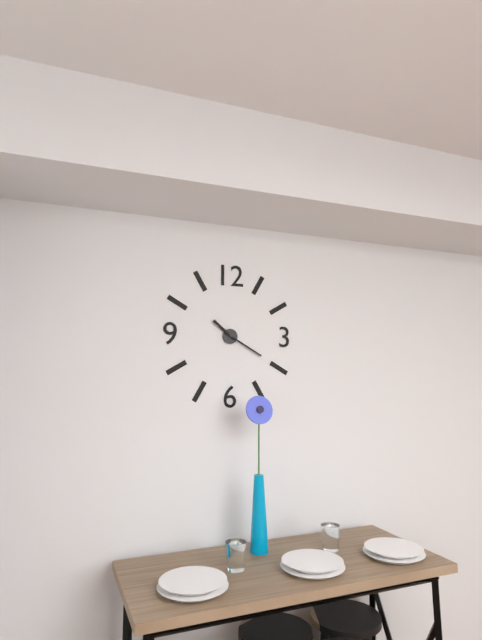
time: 10:20
